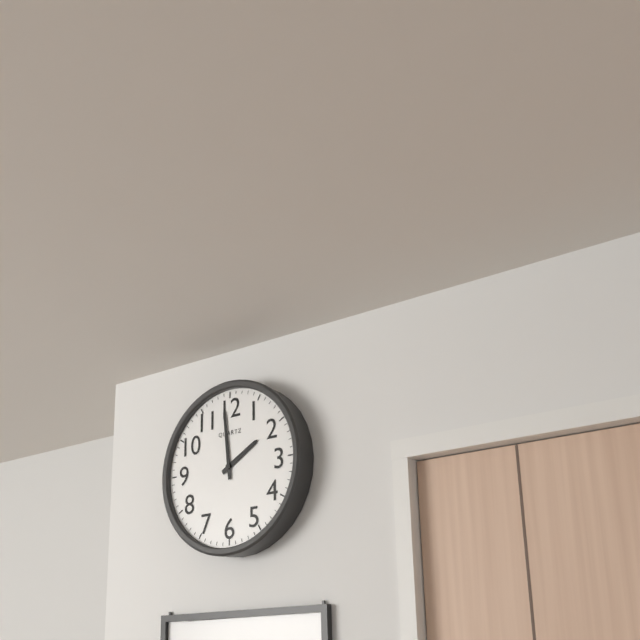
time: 1:59
